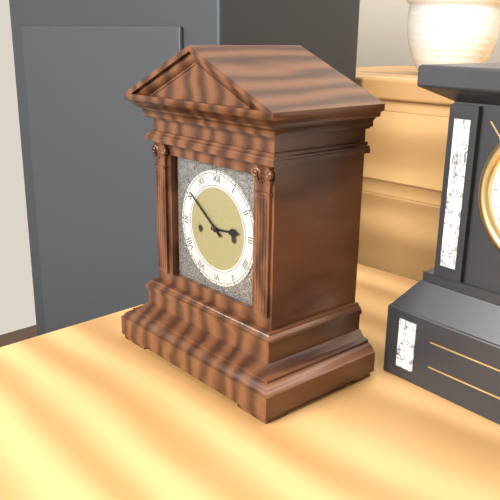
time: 2:51
